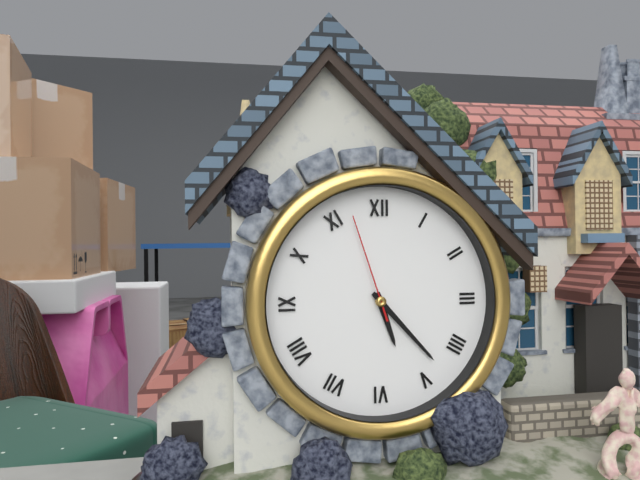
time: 5:23:57
